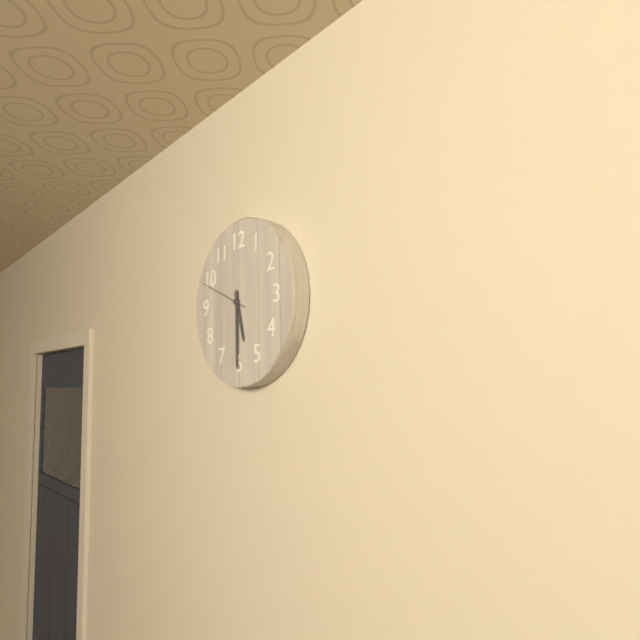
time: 5:30
